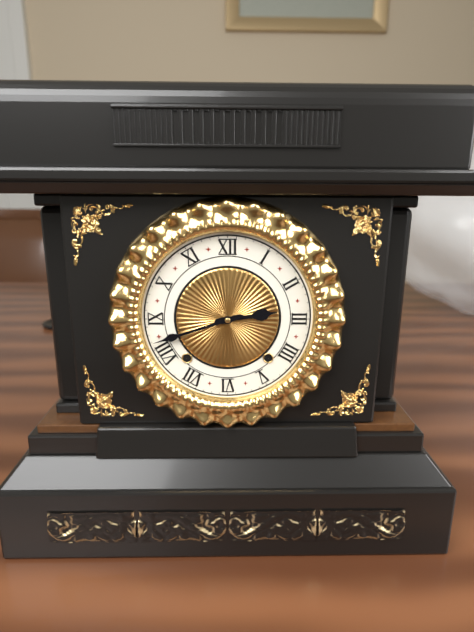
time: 2:42
